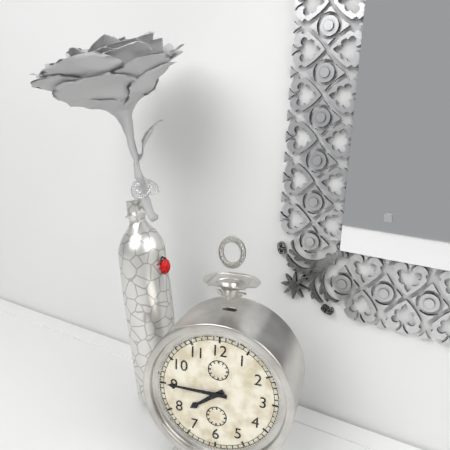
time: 7:45
